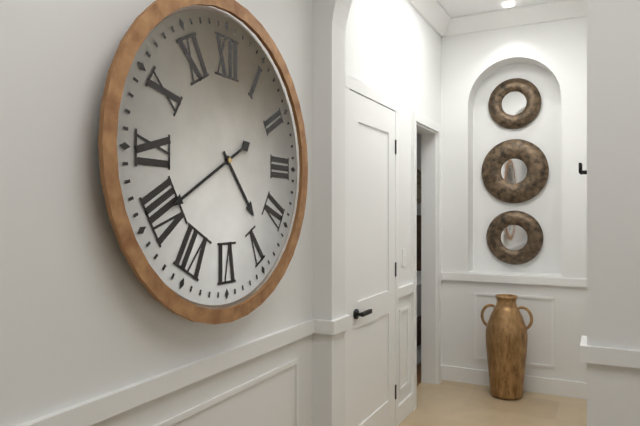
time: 4:40
